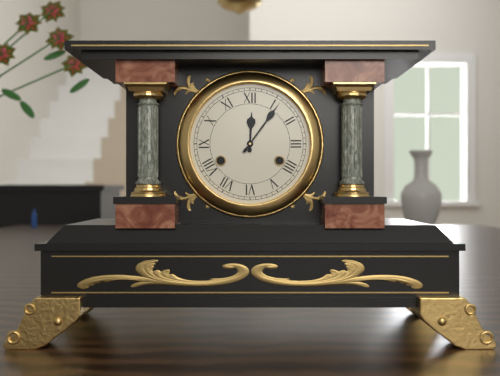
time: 12:06
